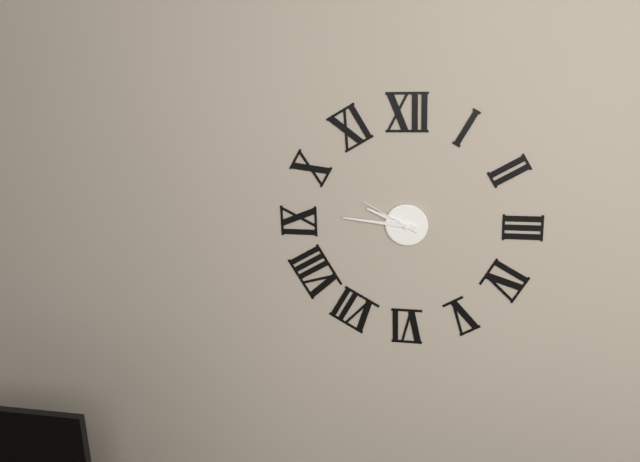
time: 9:46:50
